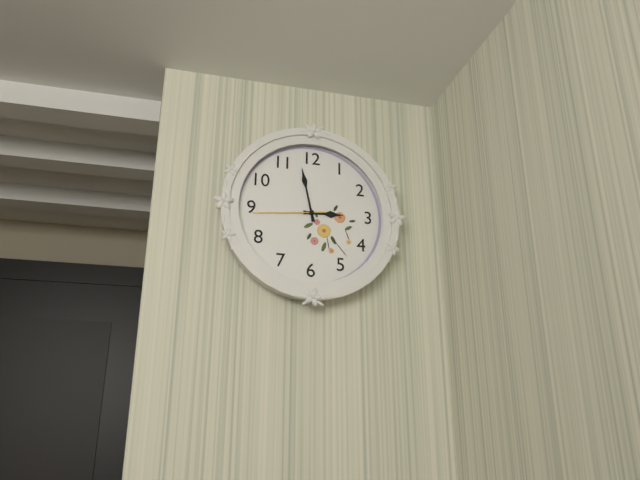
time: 2:58:44
